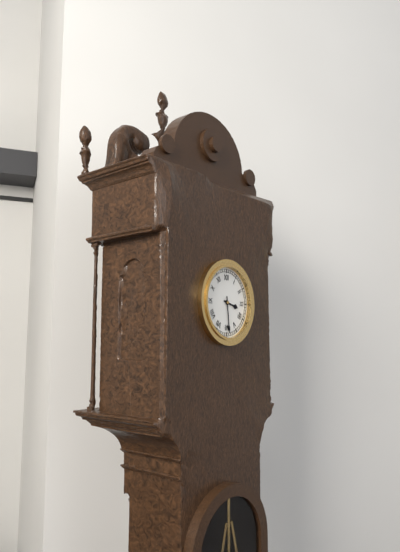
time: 3:29
